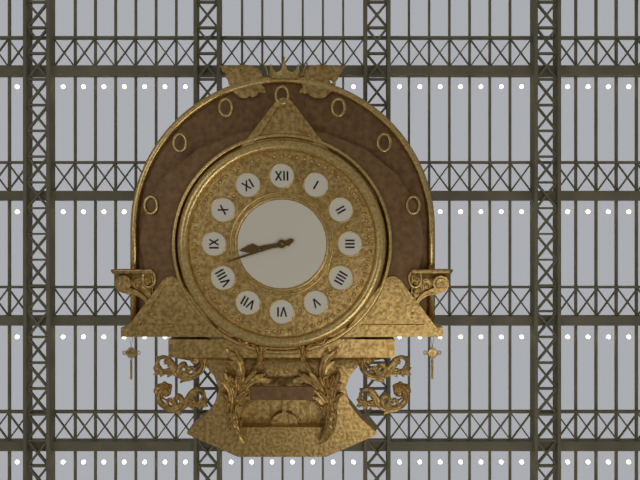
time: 8:42
